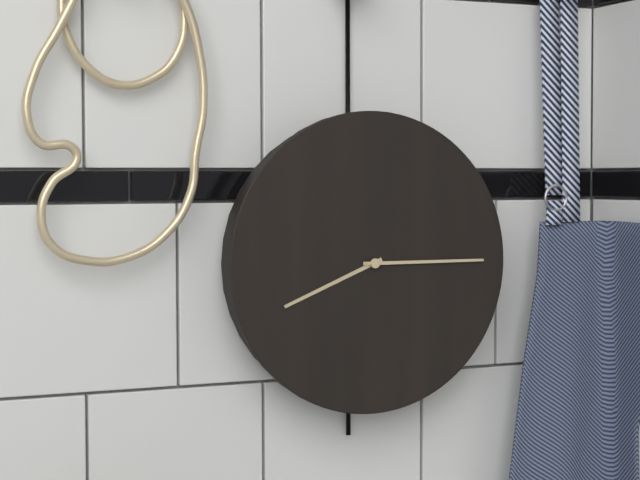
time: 8:15
